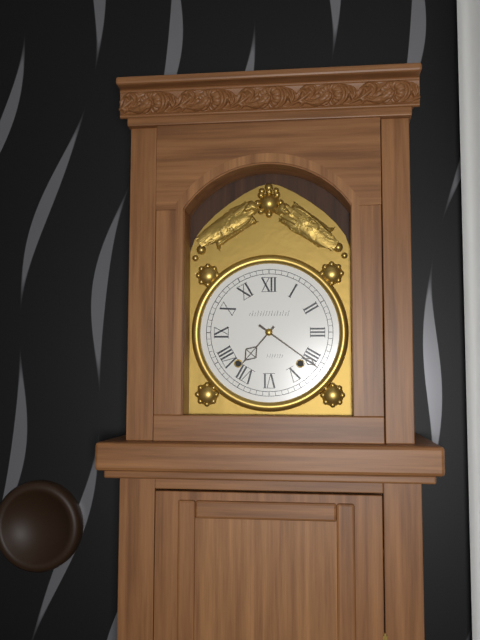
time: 7:21
